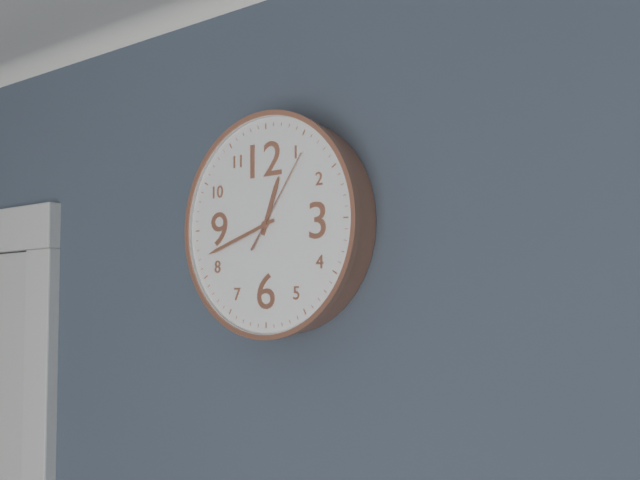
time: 12:42:06
